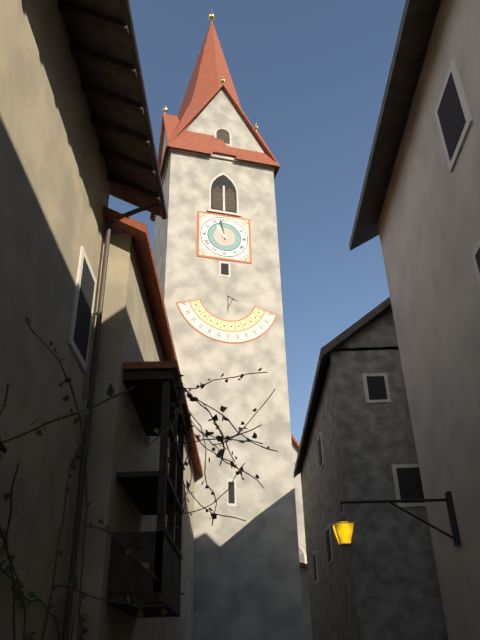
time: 10:58
